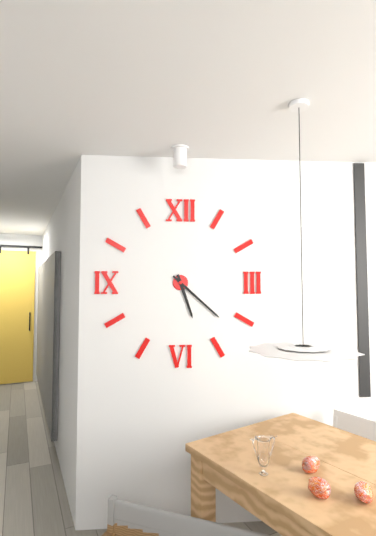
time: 5:22
